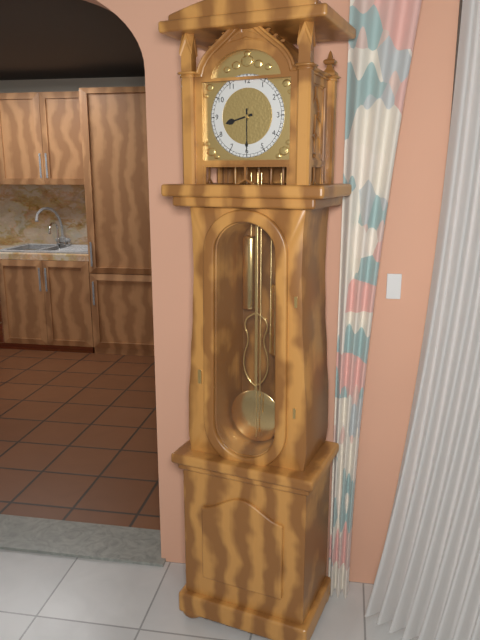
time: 8:30
